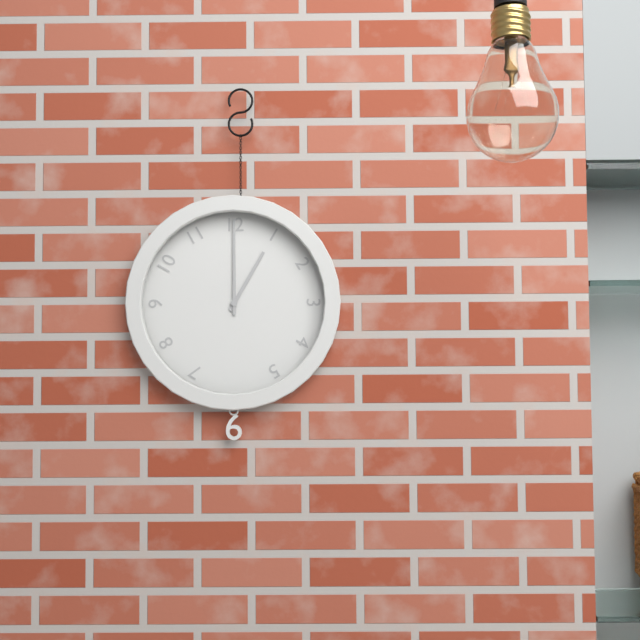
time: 1:00
